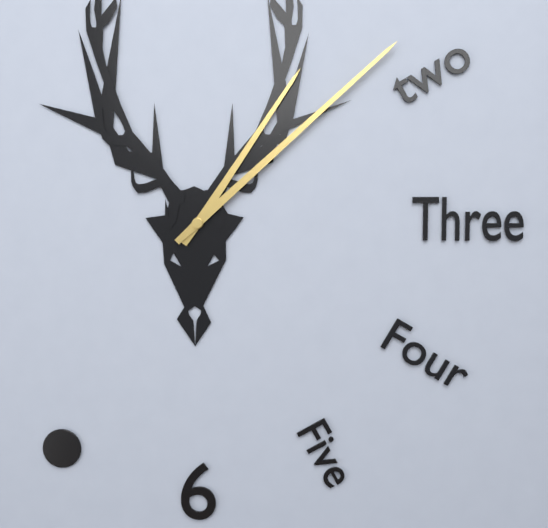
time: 1:08
